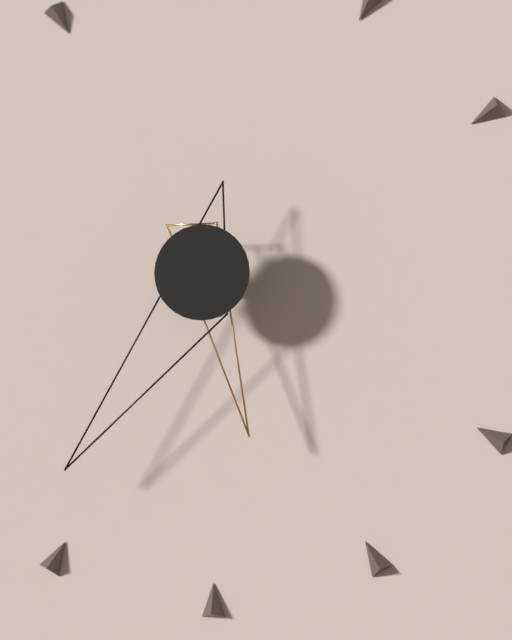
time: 5:36
